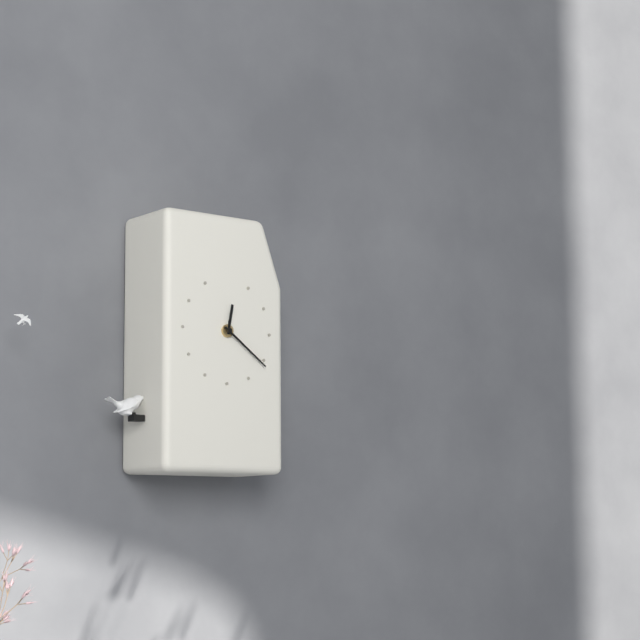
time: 12:21
